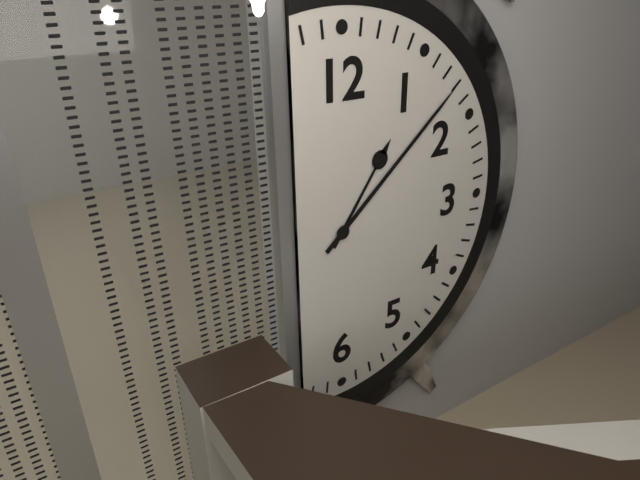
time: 1:08
